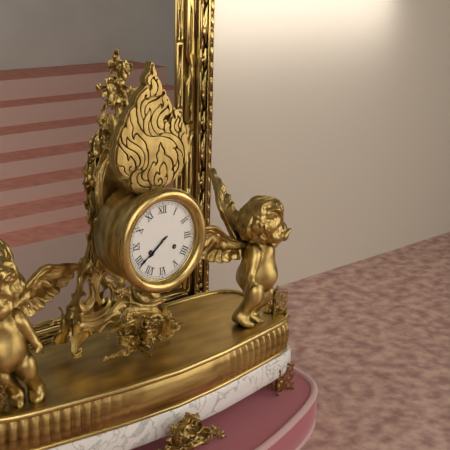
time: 7:39
